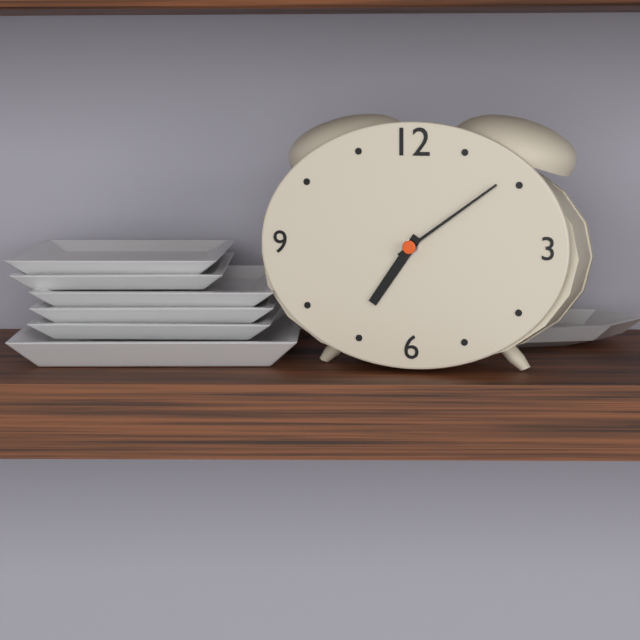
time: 7:09
